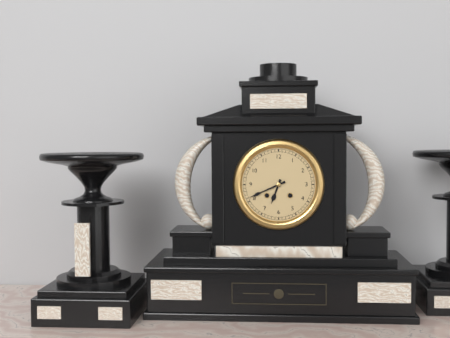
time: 6:41
